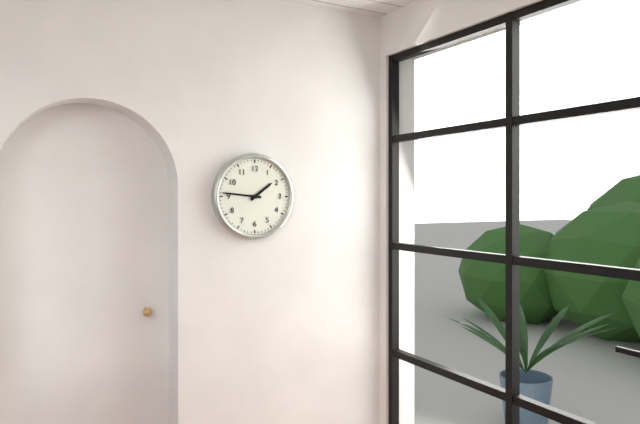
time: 1:46
